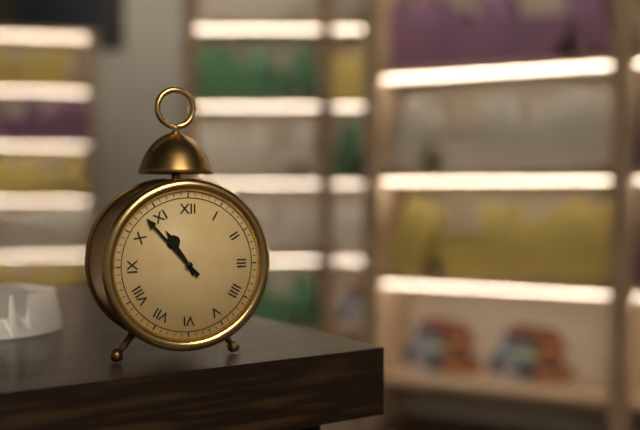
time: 10:53
